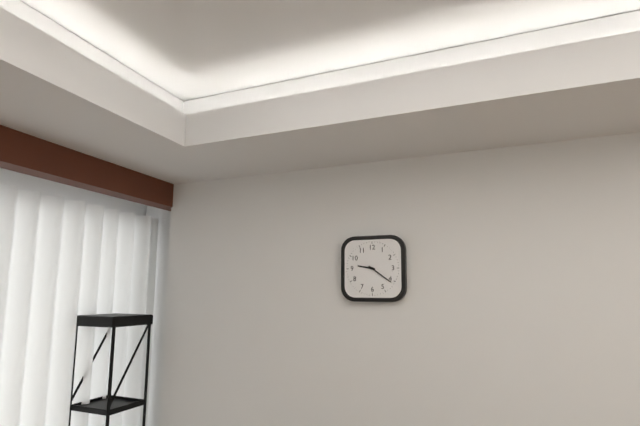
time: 9:21
